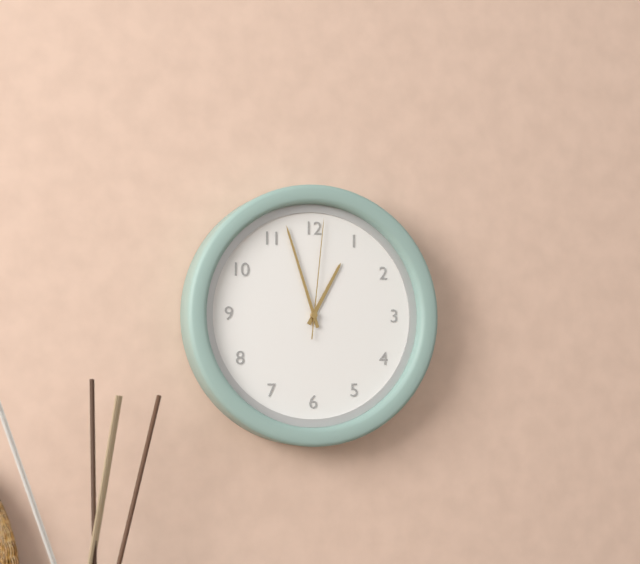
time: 12:57:01
